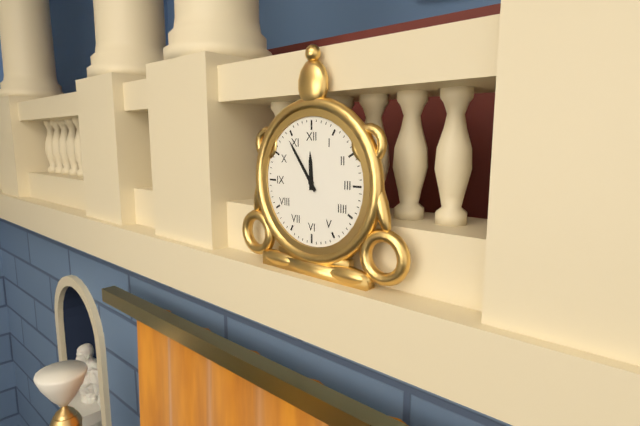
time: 11:54
